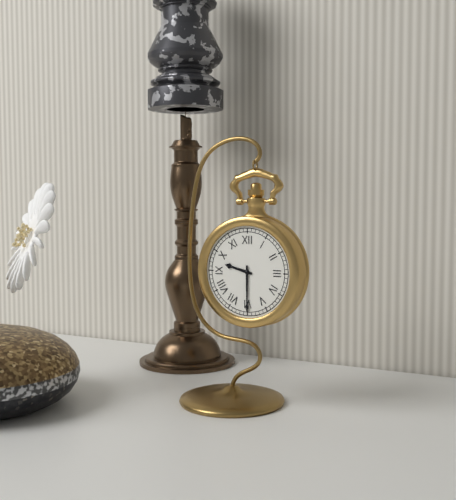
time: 9:30
